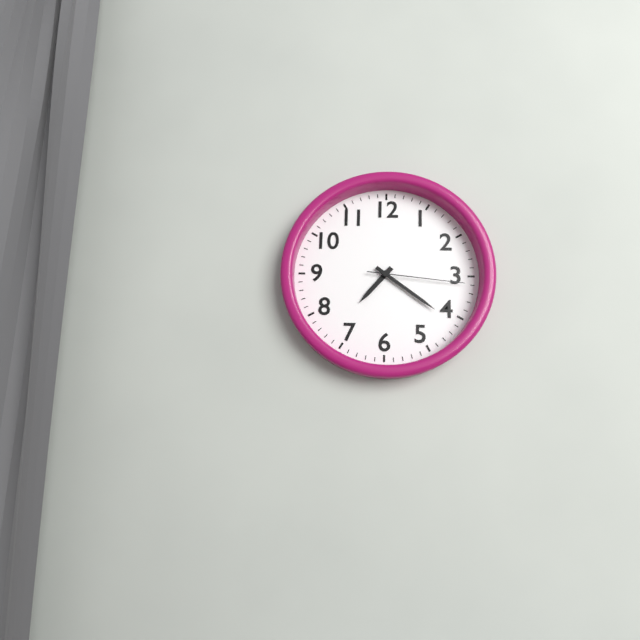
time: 7:21:16
